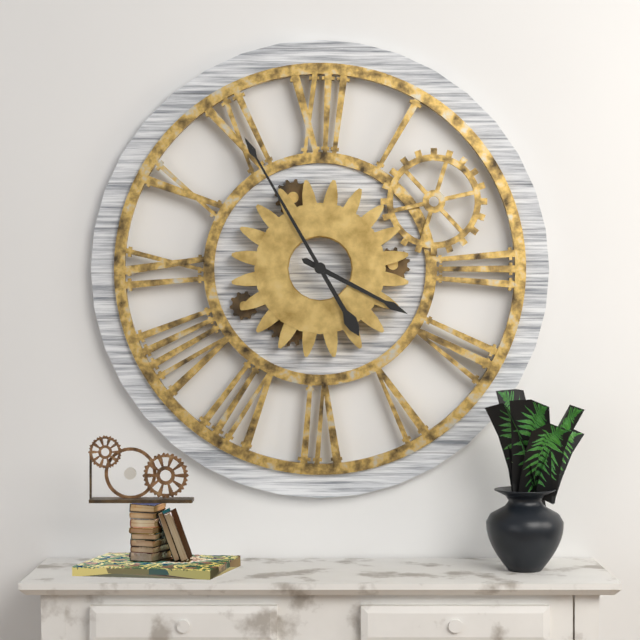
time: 3:55
